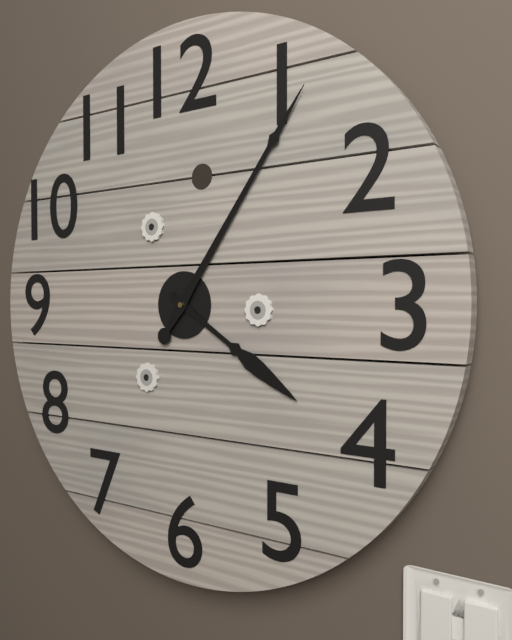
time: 4:06
